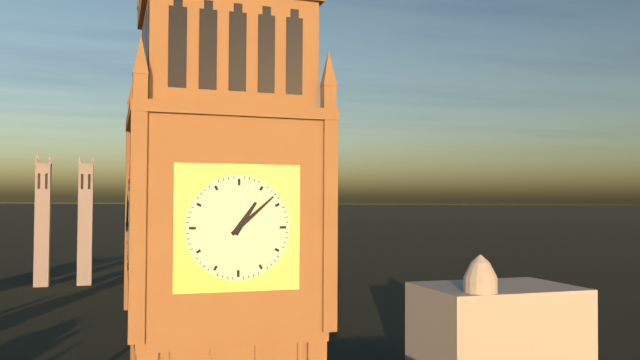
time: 1:08
